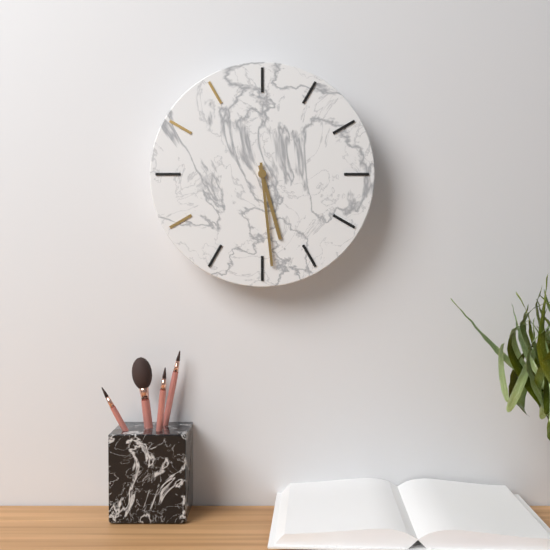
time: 5:29
